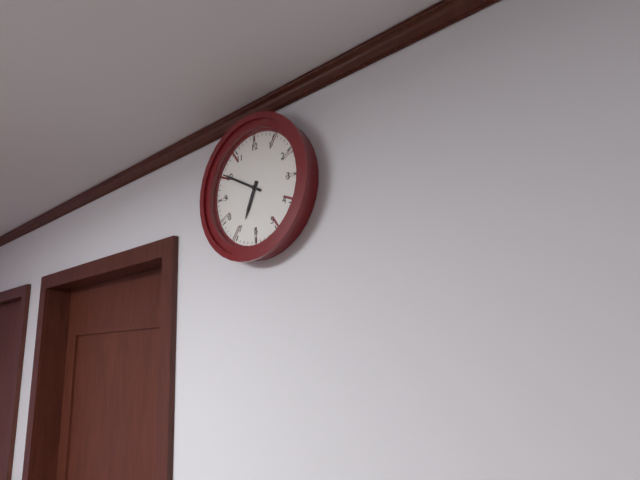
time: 6:50
